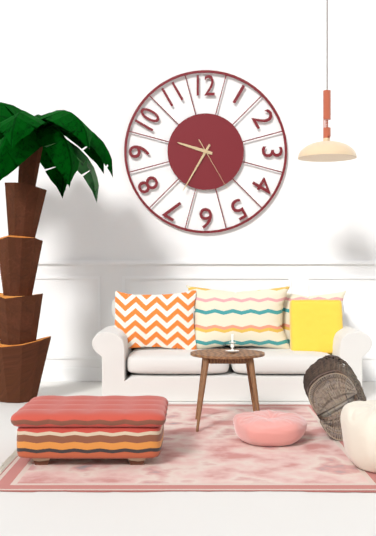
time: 9:35:25
